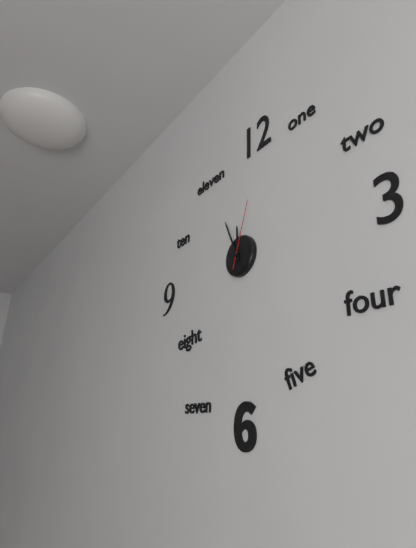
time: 11:56:03
